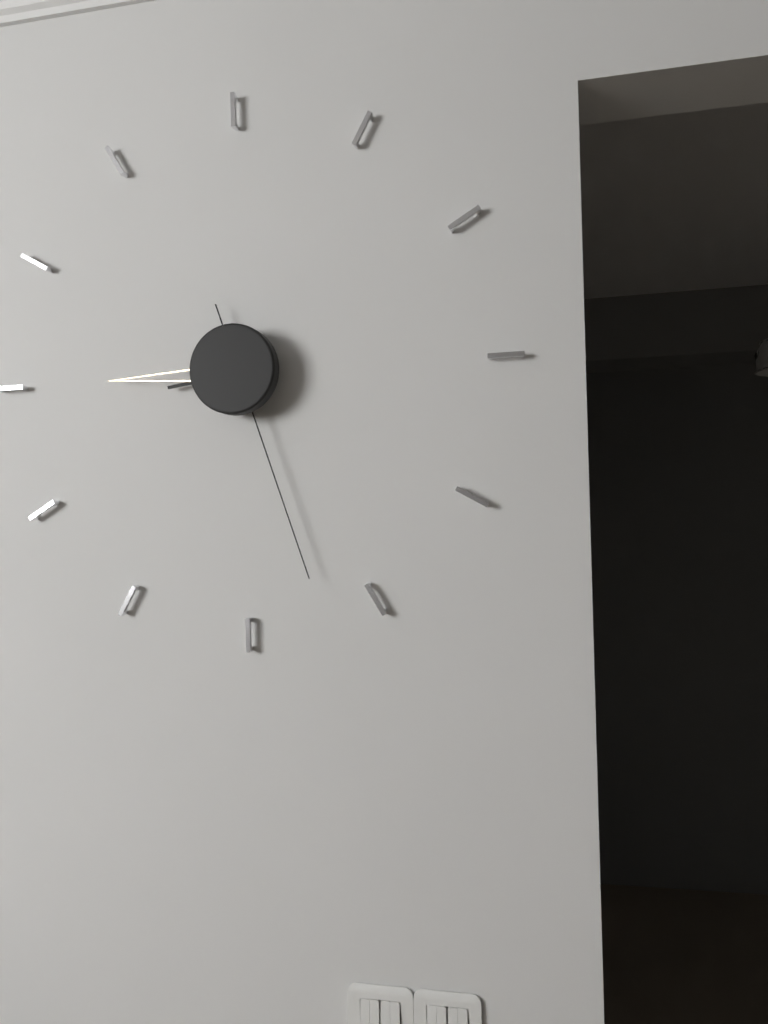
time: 8:45:27
